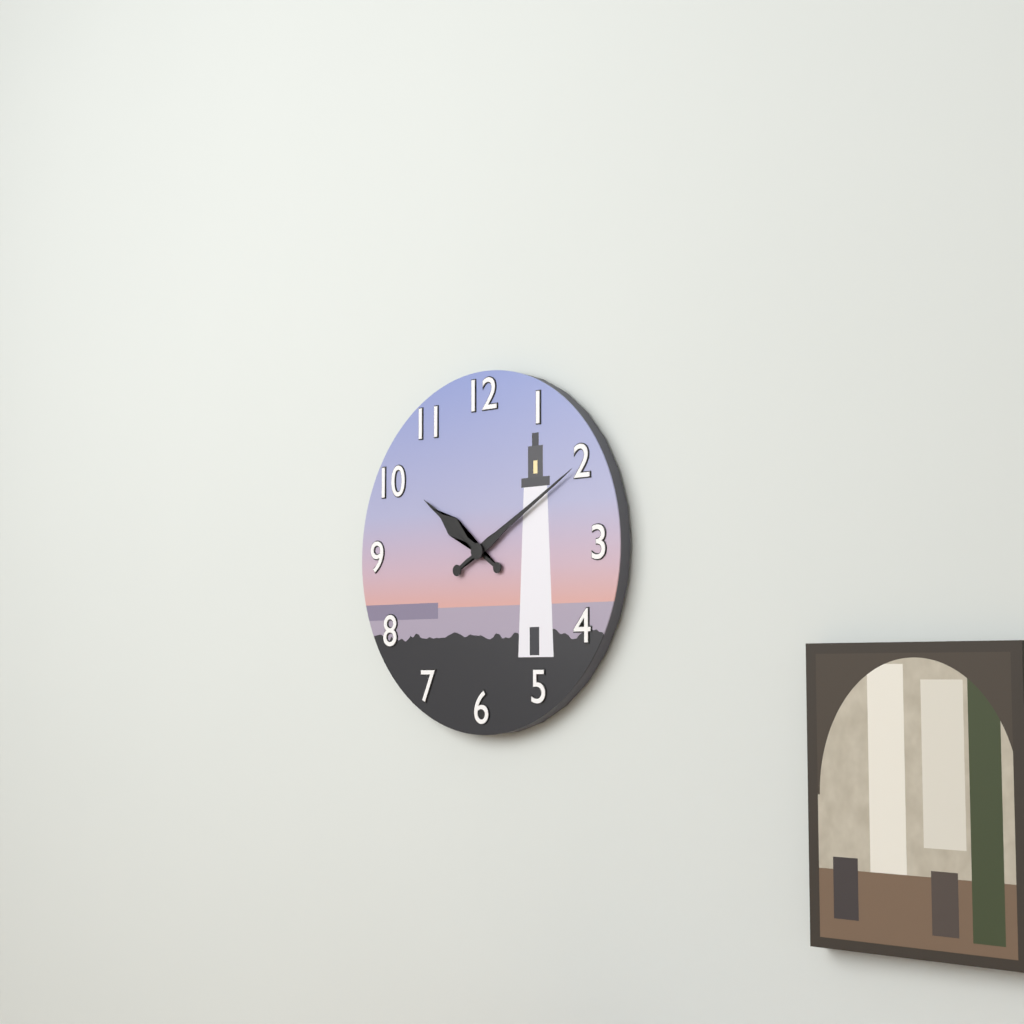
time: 10:10
